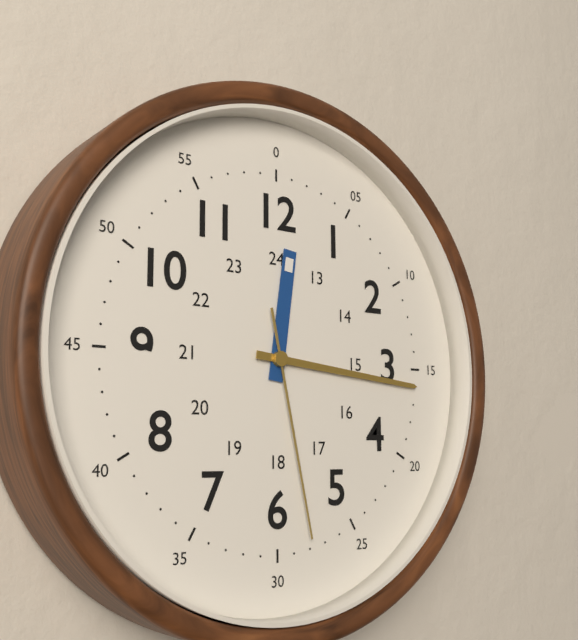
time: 12:16:28
